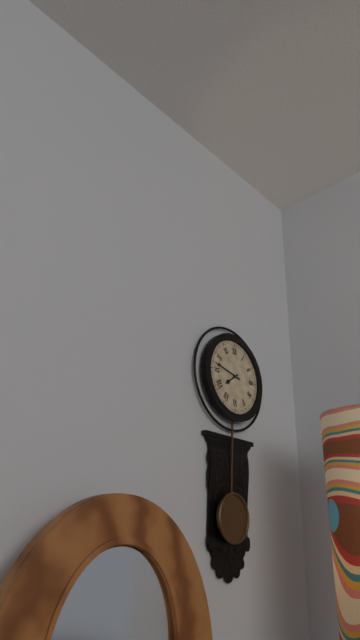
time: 7:47
